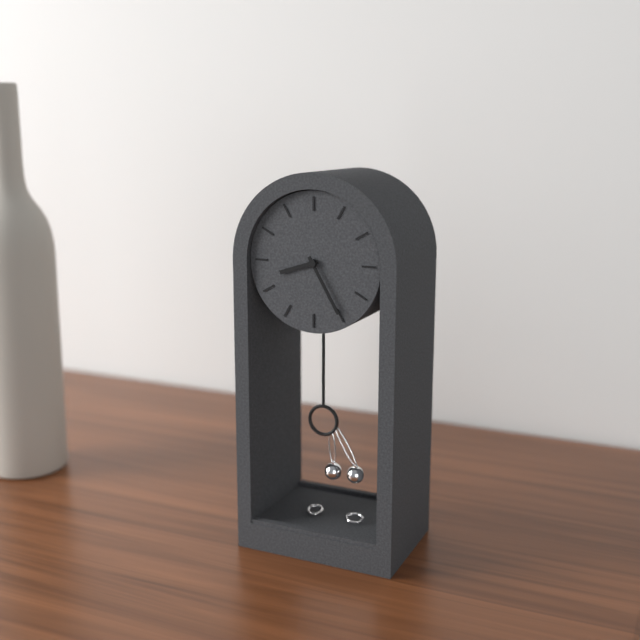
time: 8:25
